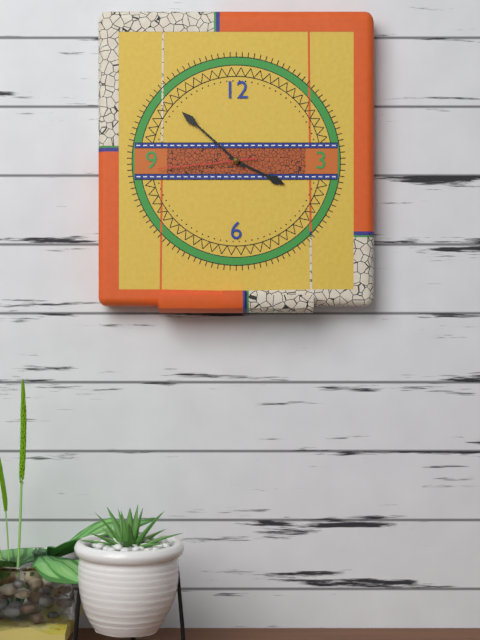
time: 3:52:44
